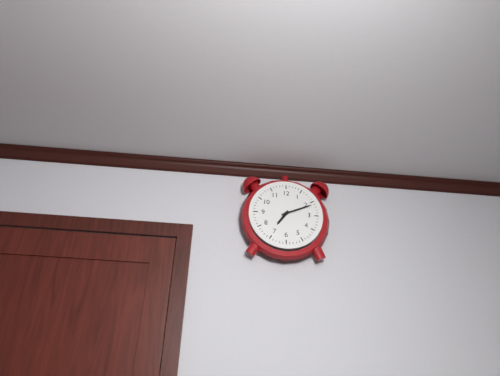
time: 7:11
